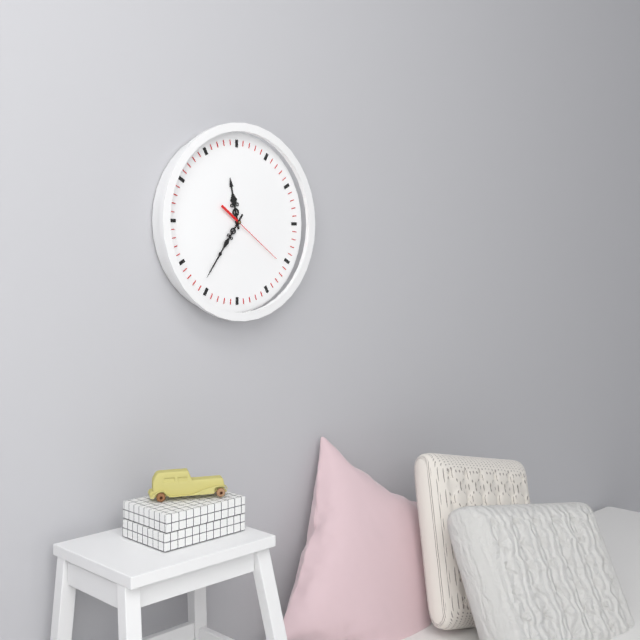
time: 11:36:21
